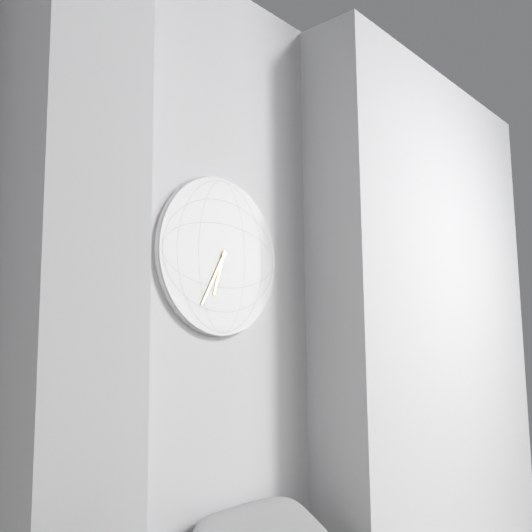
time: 6:35
